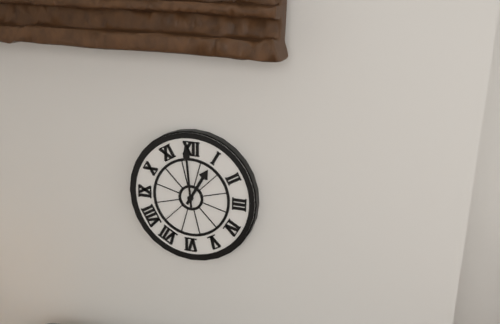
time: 12:59
